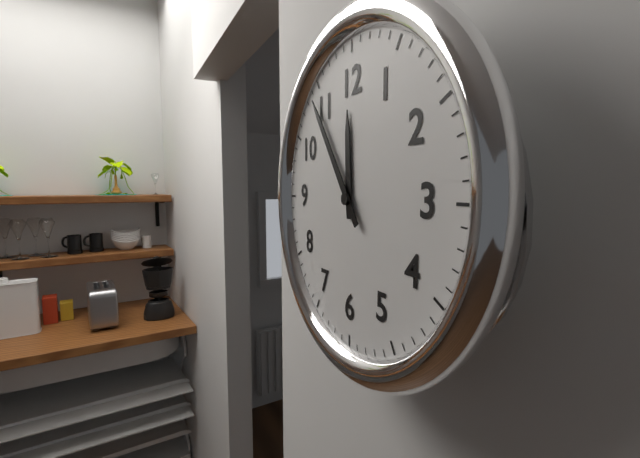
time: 11:54
